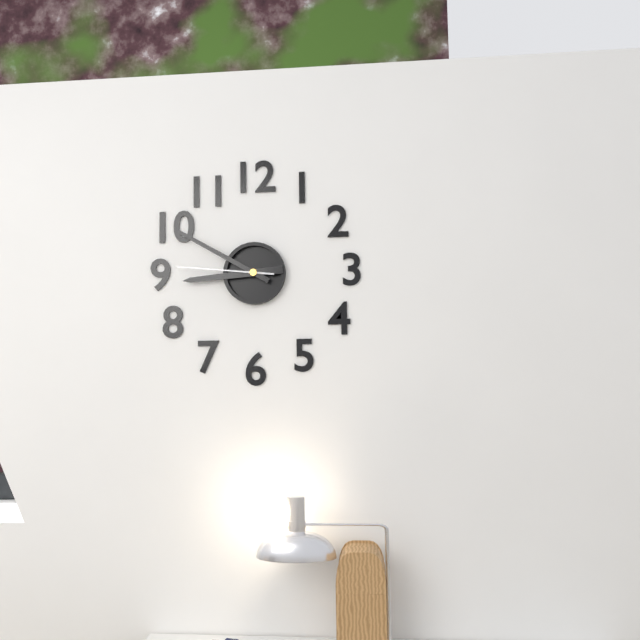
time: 8:50:46
